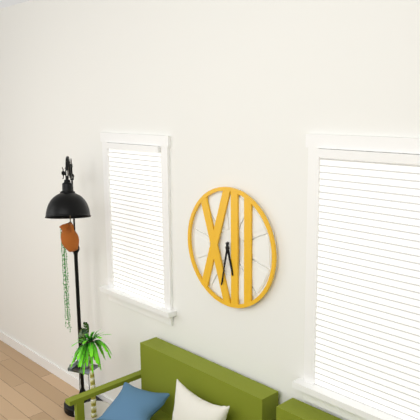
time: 5:32
